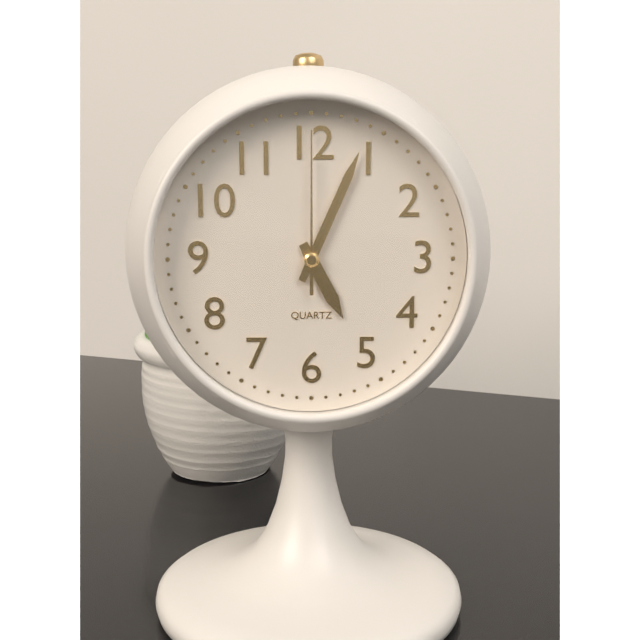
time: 5:04:00
